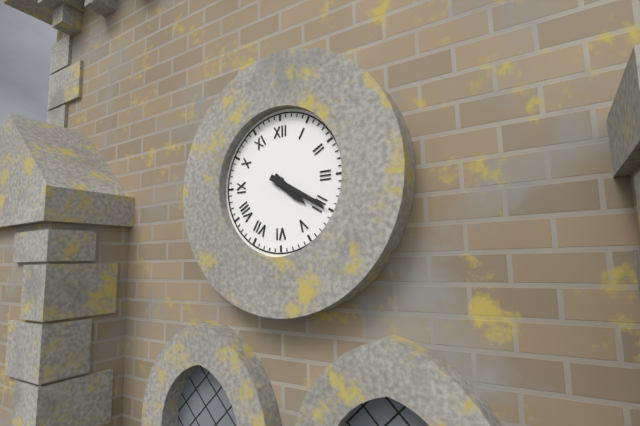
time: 4:20
